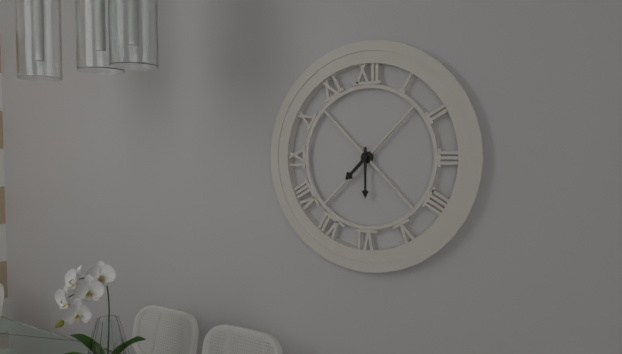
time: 7:30
